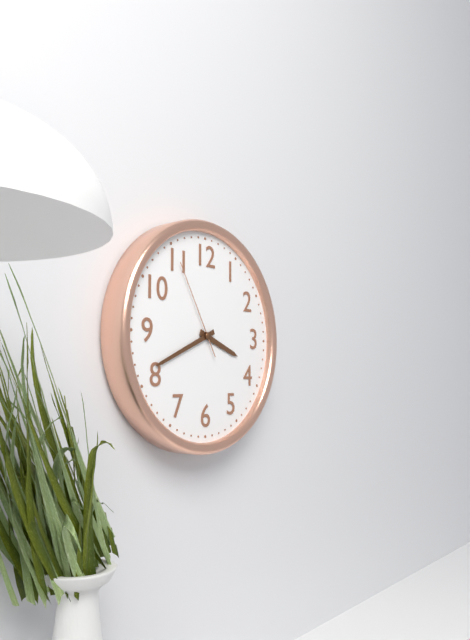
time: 3:41:55
